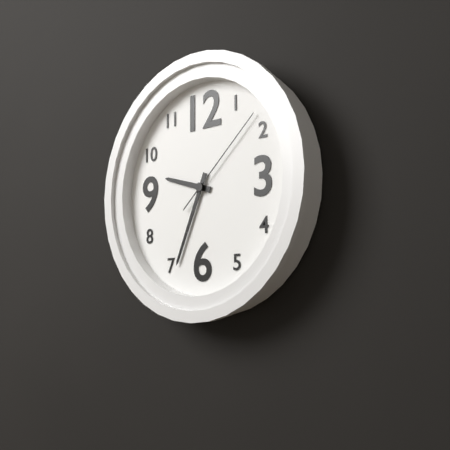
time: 9:34:08
